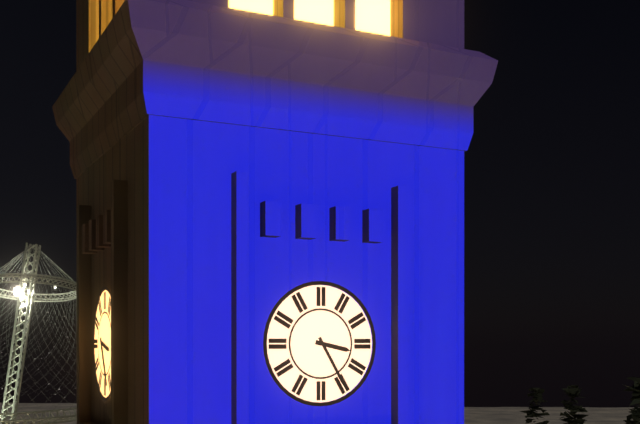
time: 3:25
